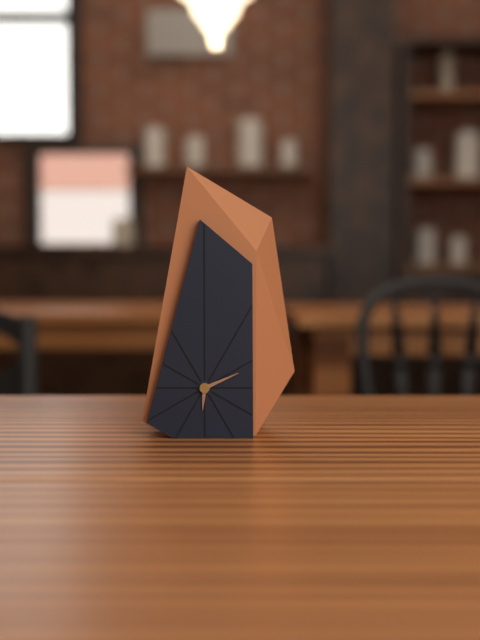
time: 6:11
